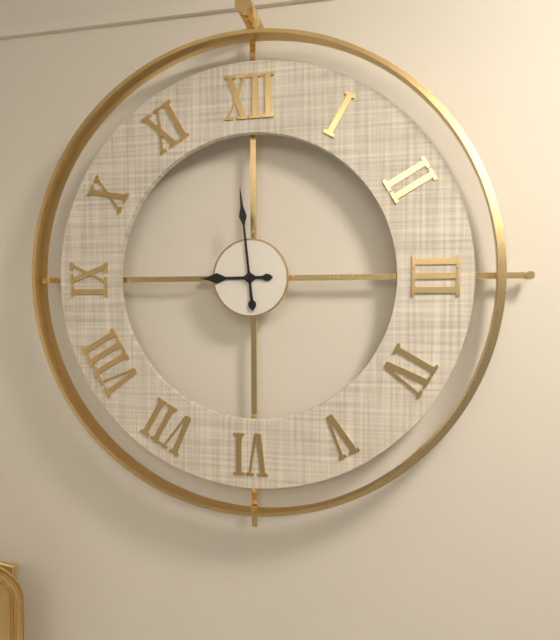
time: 8:59
